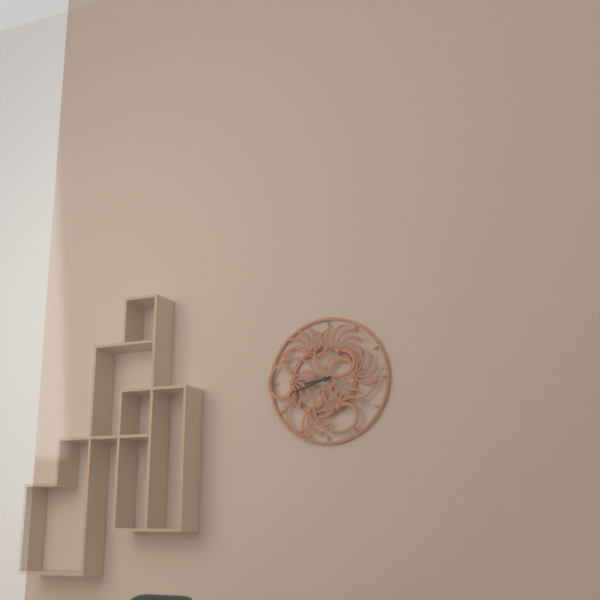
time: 8:42
